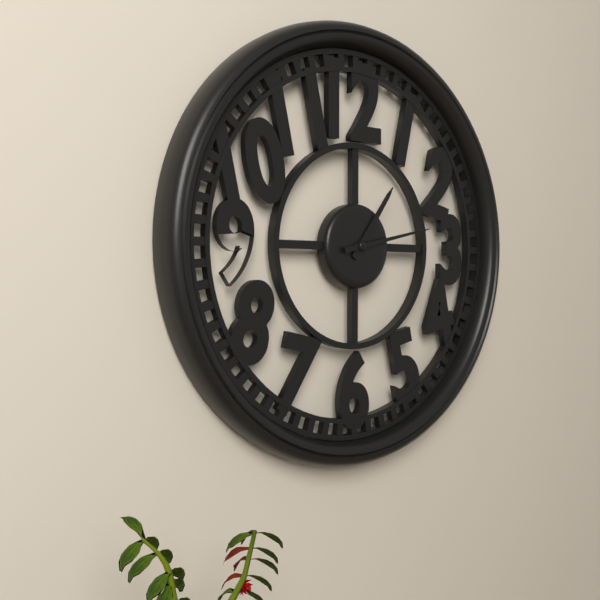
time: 1:13
